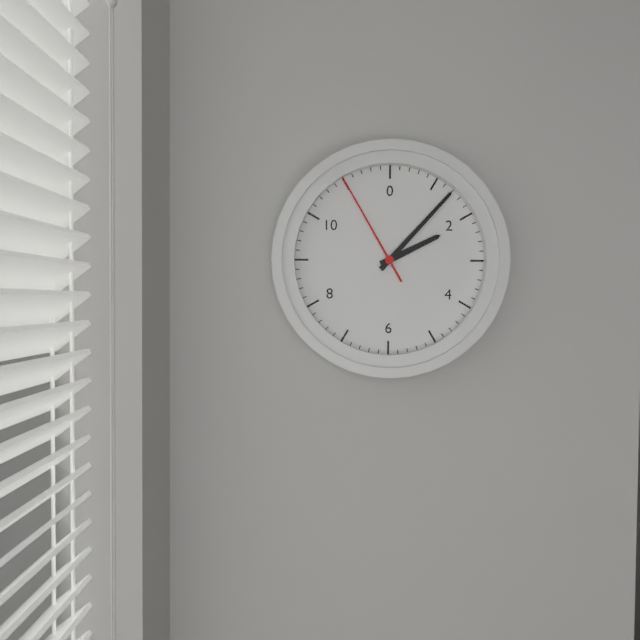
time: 2:07:55
